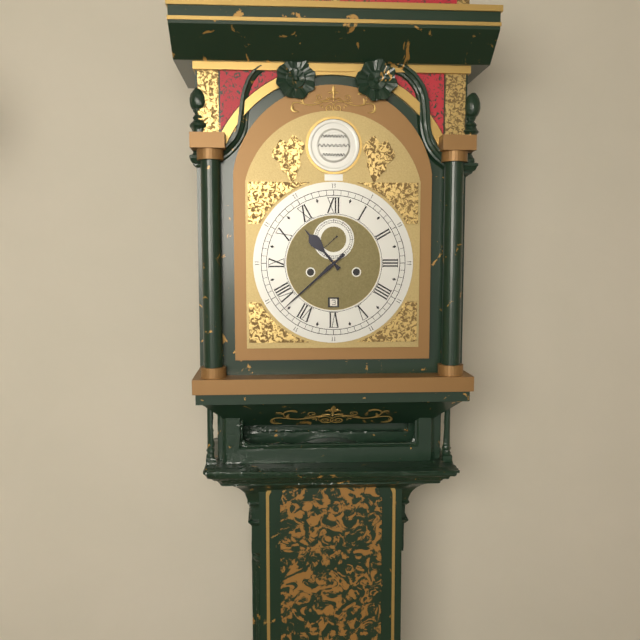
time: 10:38
